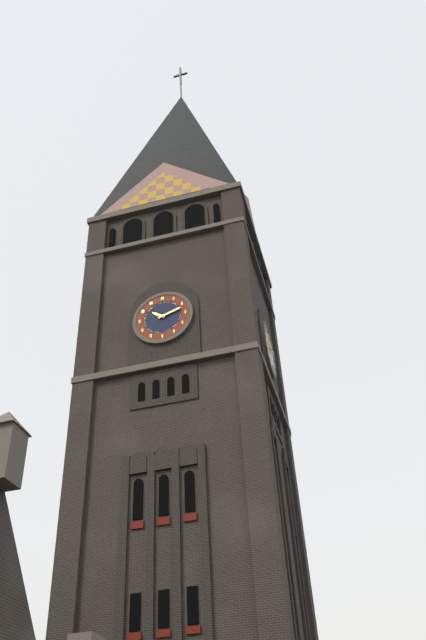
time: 10:12
